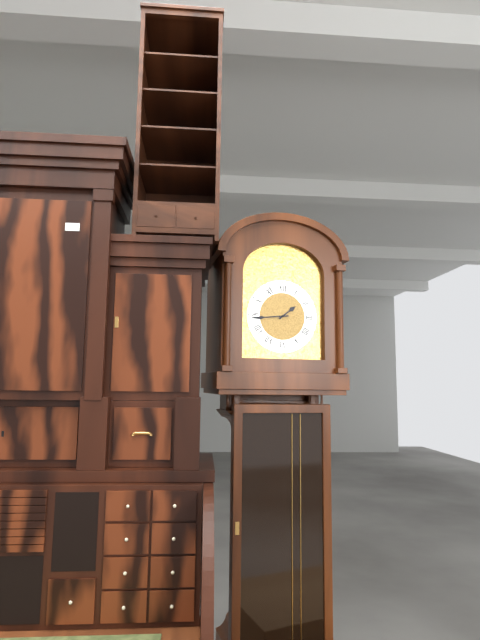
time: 1:44
